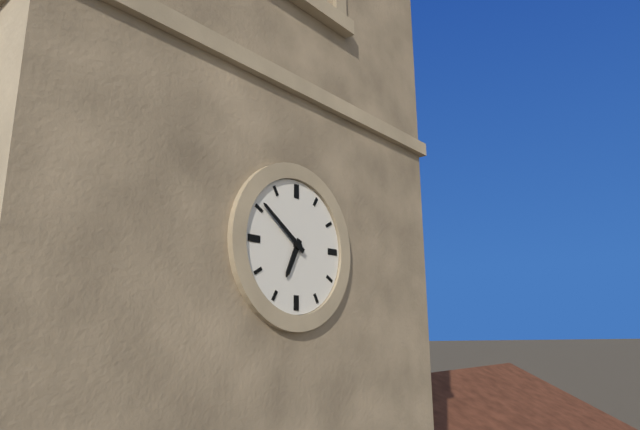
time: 6:51
